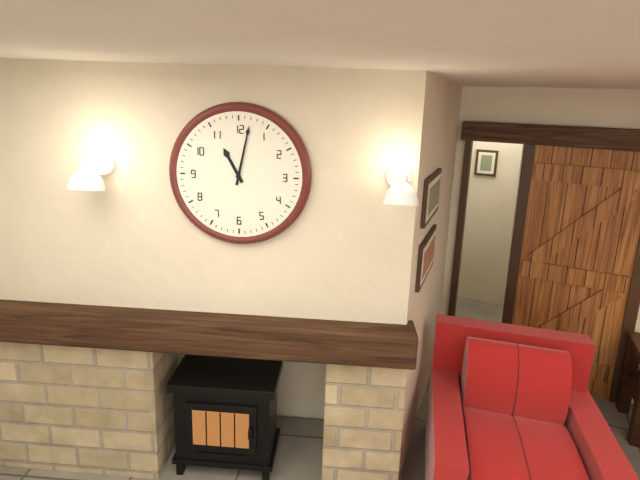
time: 11:02
